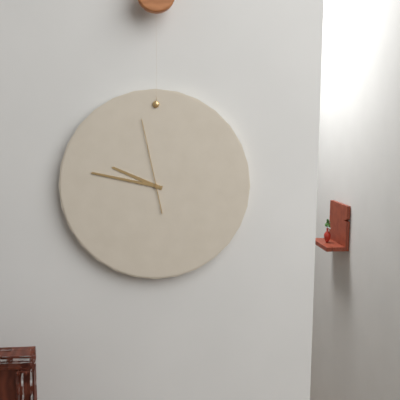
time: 9:47:58
